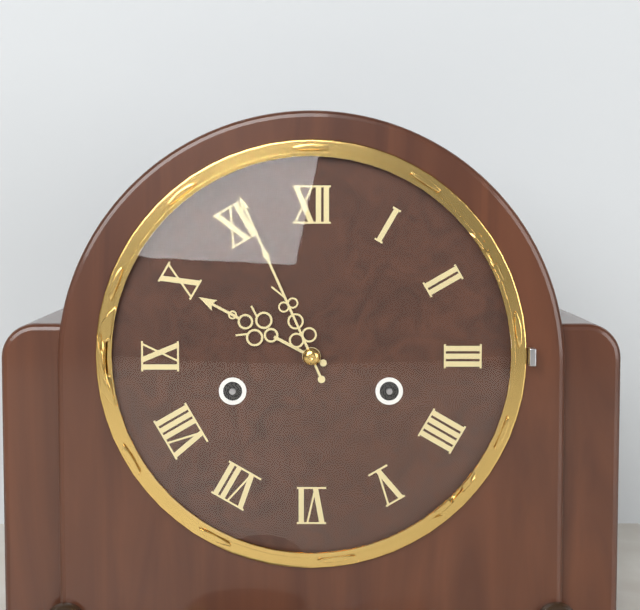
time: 9:56
